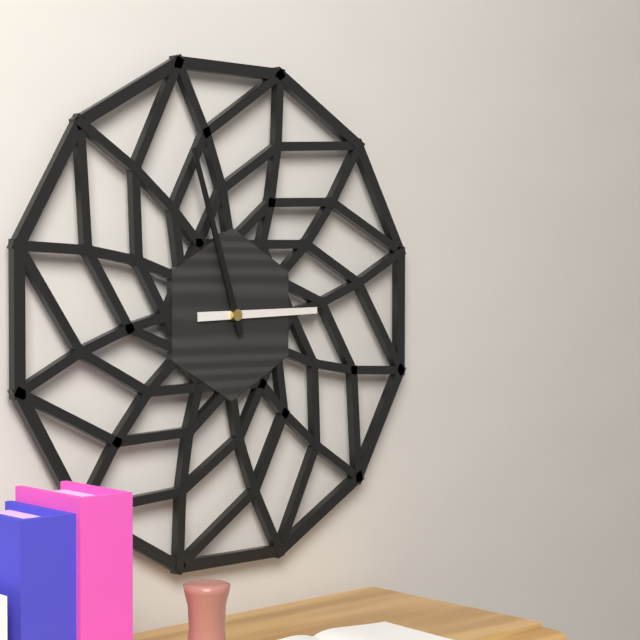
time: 2:57
